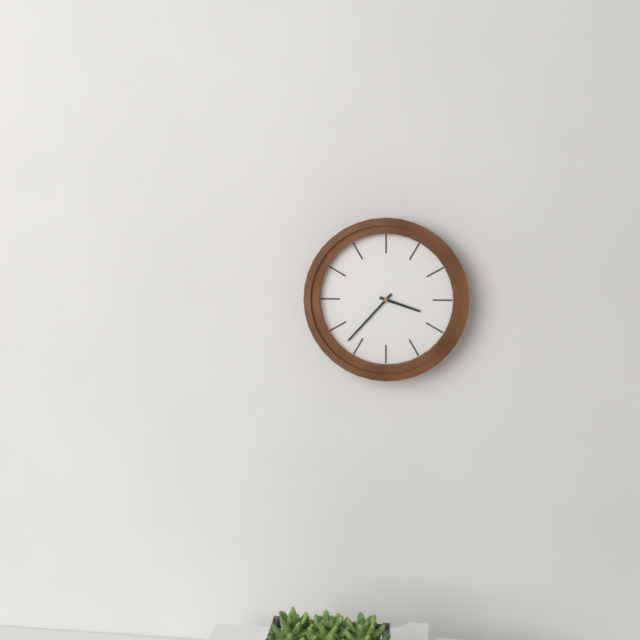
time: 3:37
